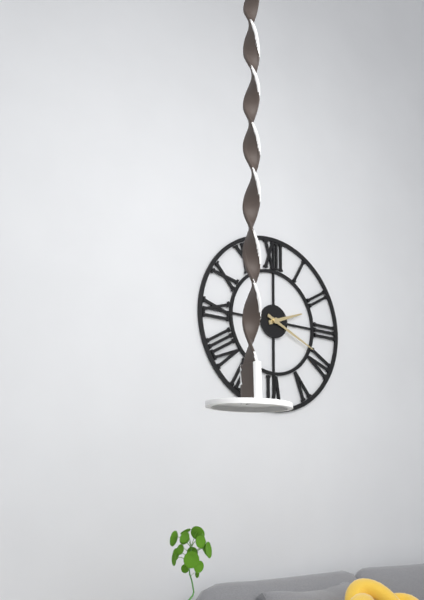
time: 2:19
